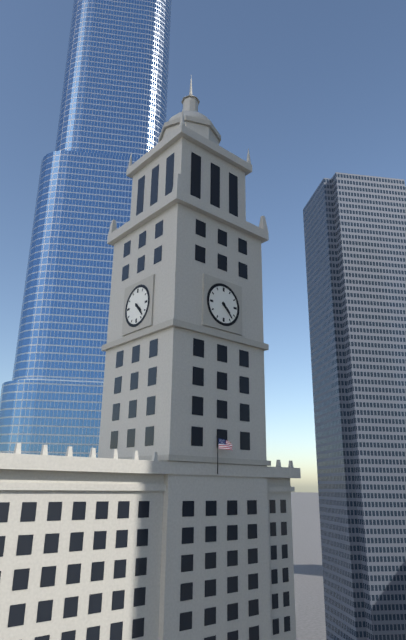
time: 4:23
